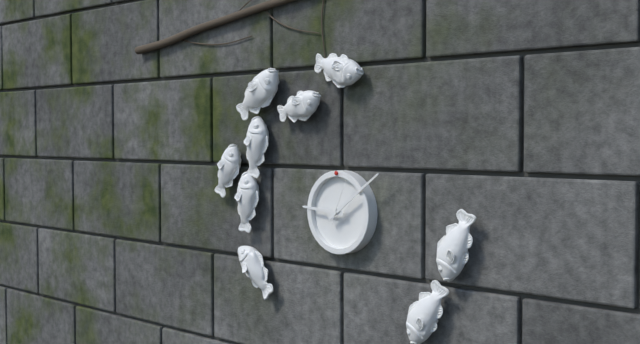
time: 9:09
